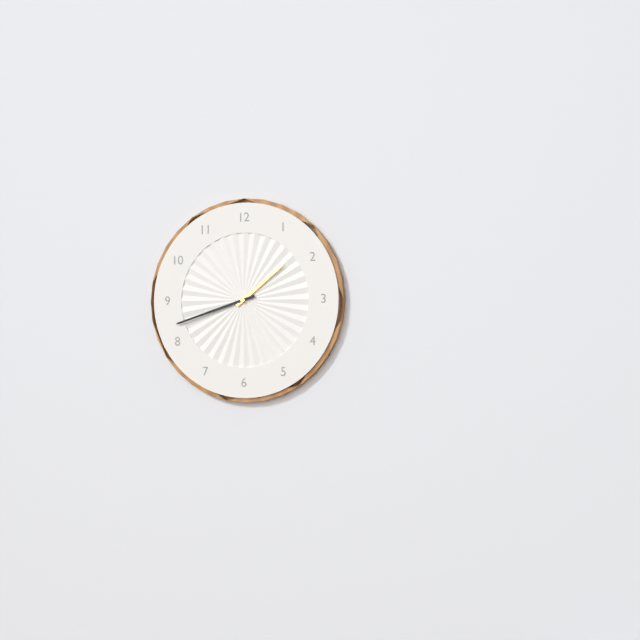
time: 1:42
